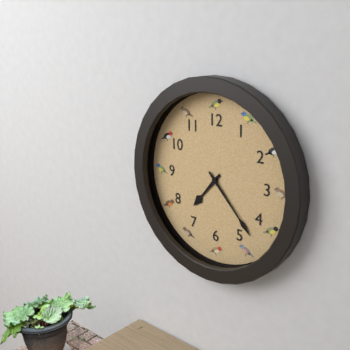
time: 7:23
